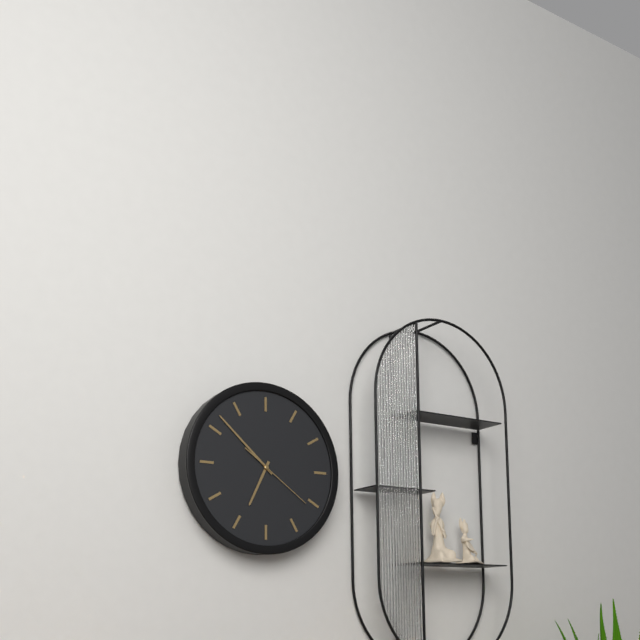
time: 6:52:21
